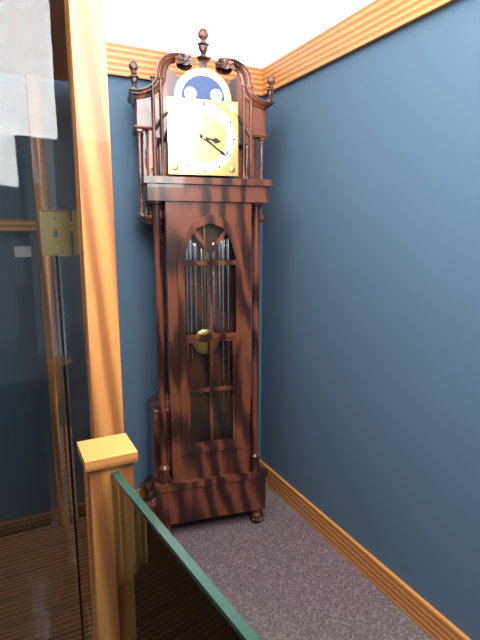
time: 3:21
